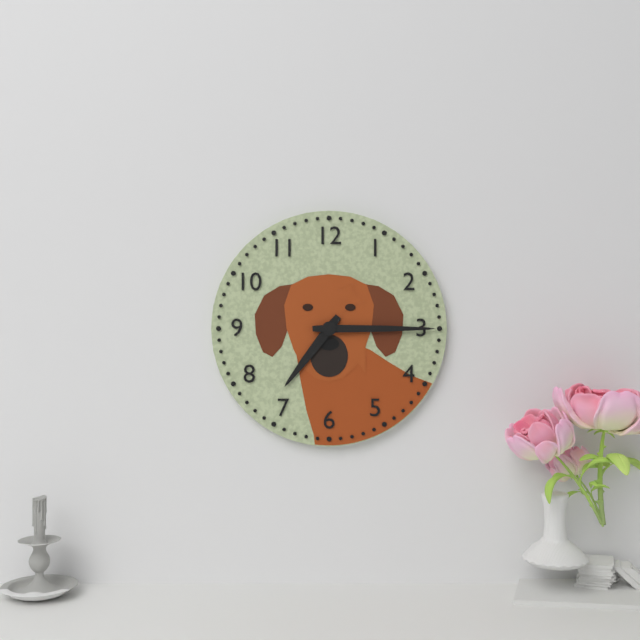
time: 7:15
